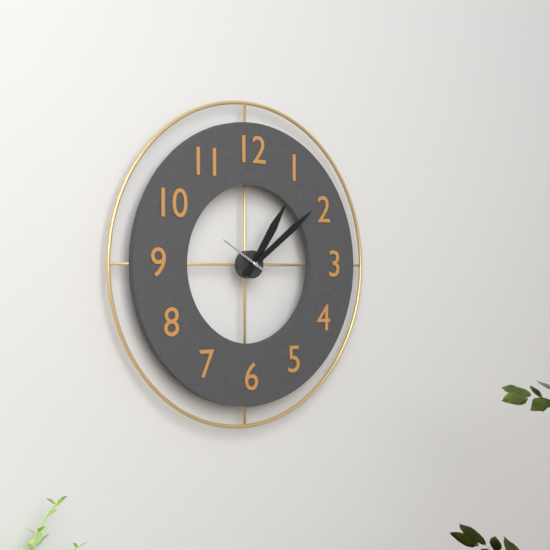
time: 1:09:50
